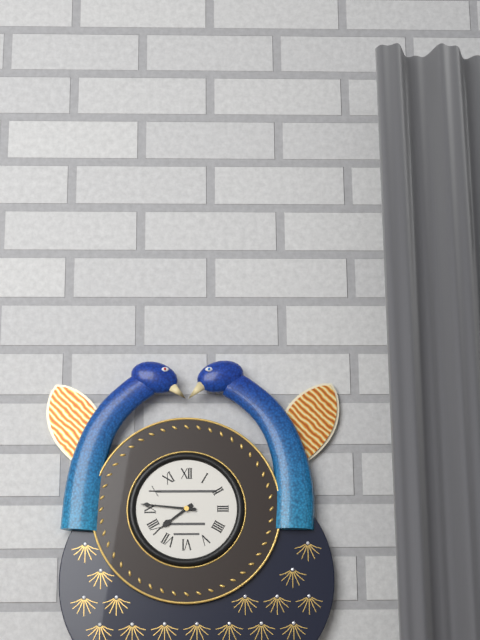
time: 7:46
